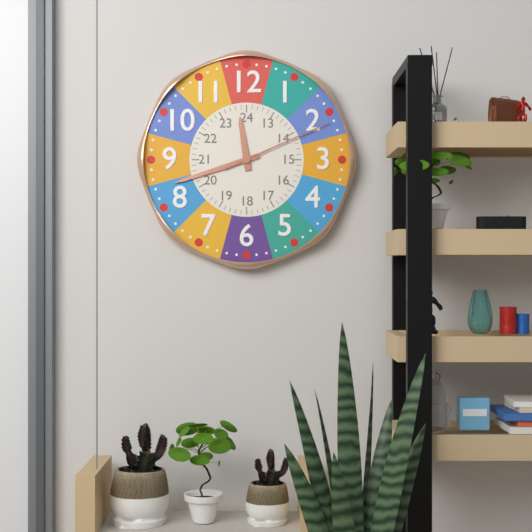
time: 11:42:11
